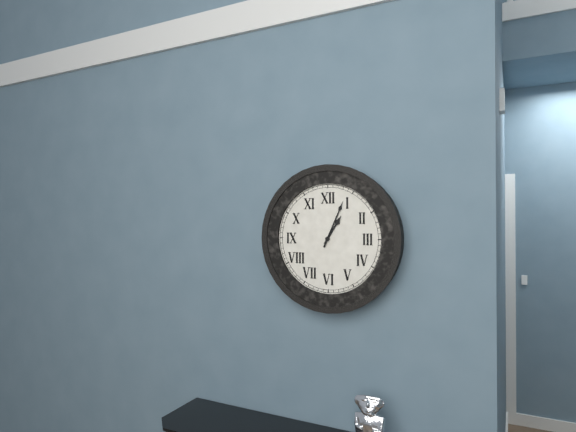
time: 1:04
